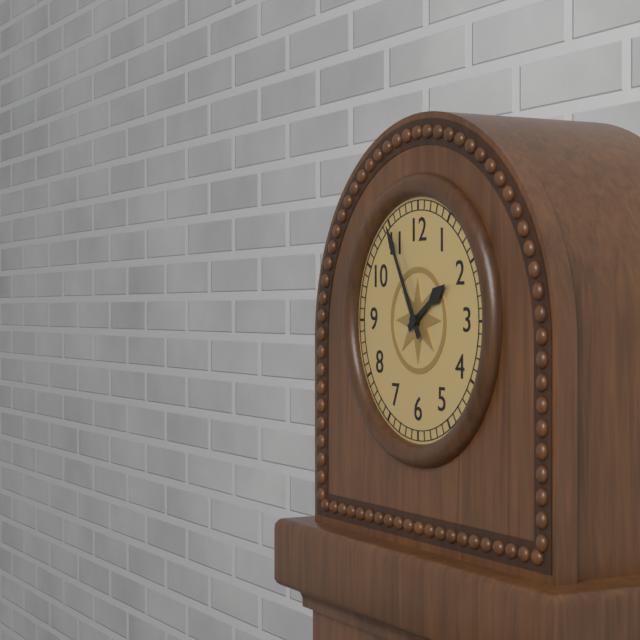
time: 1:55
